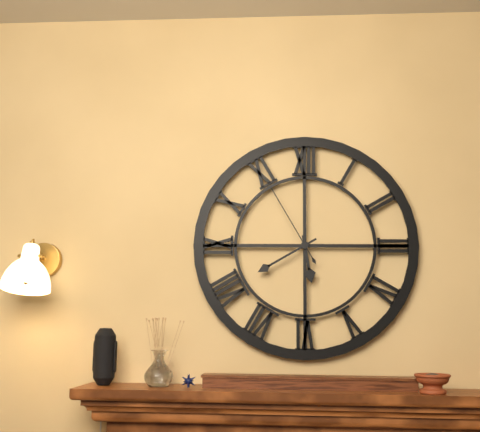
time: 5:40:55
